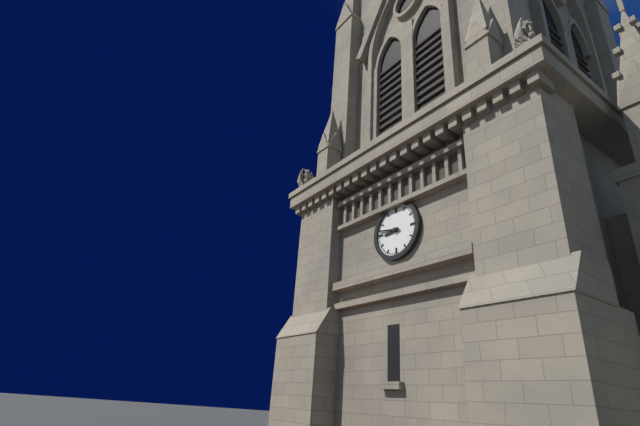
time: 8:47
